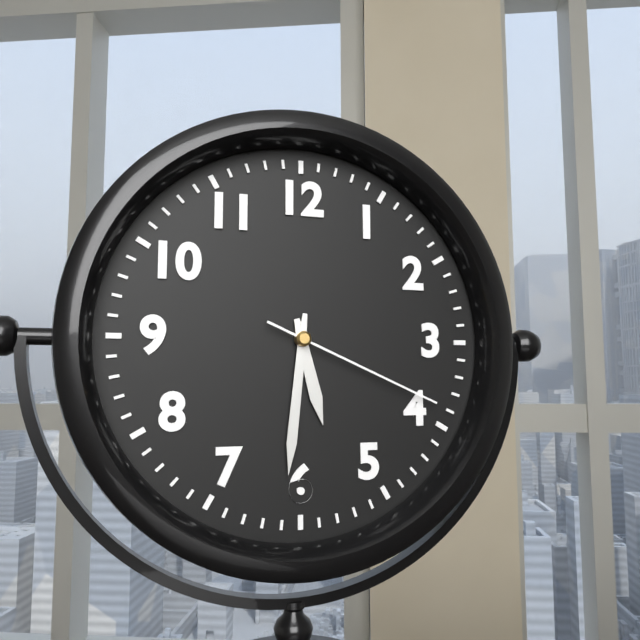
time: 5:31:19
